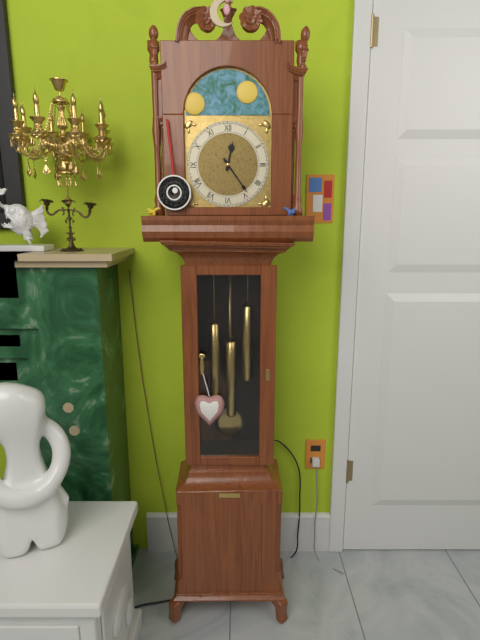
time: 12:24
